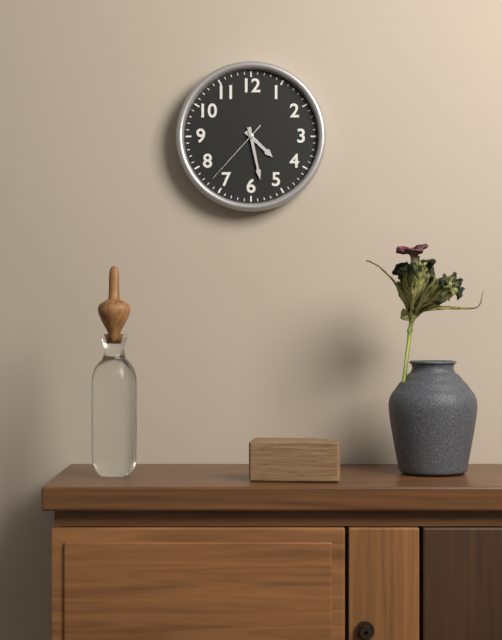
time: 4:28:37
